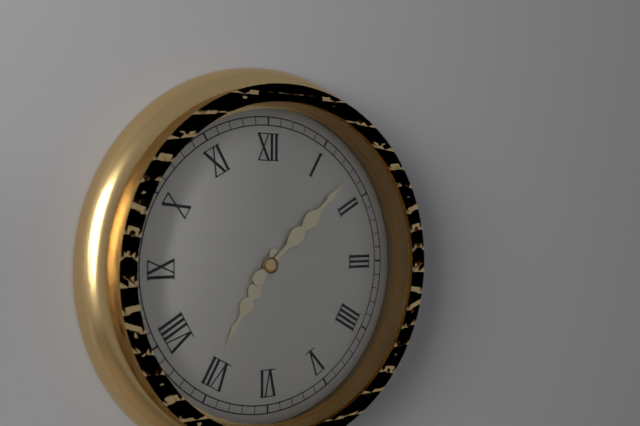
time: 7:08
